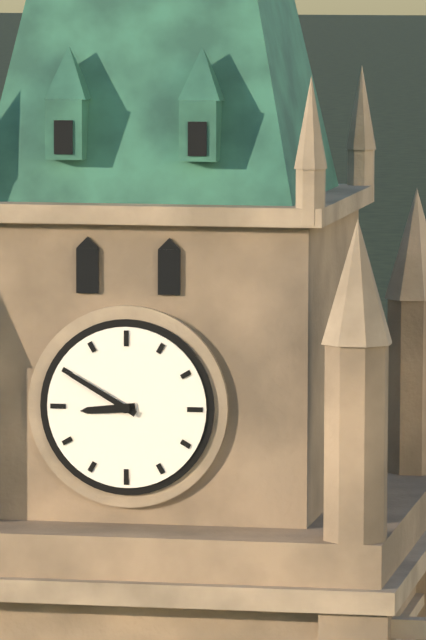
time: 8:50
